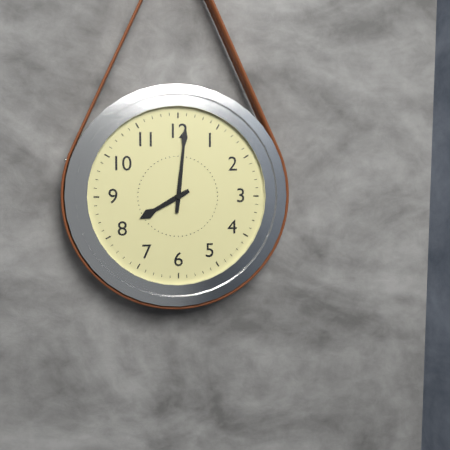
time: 8:01
